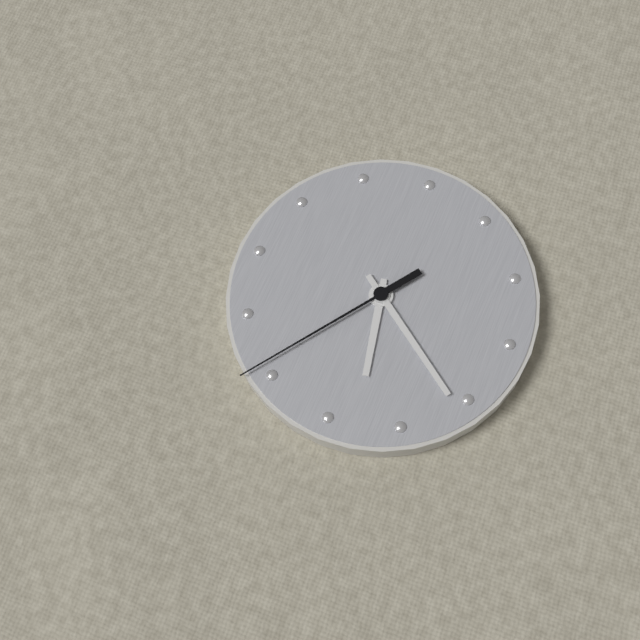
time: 8:36:51
